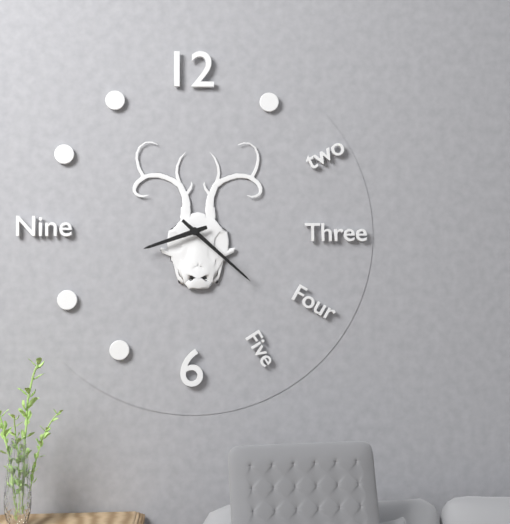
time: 8:22
